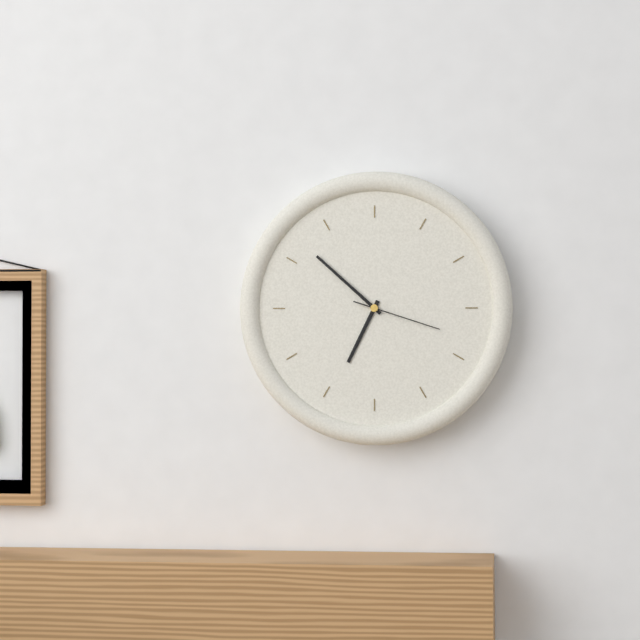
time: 6:52:18
